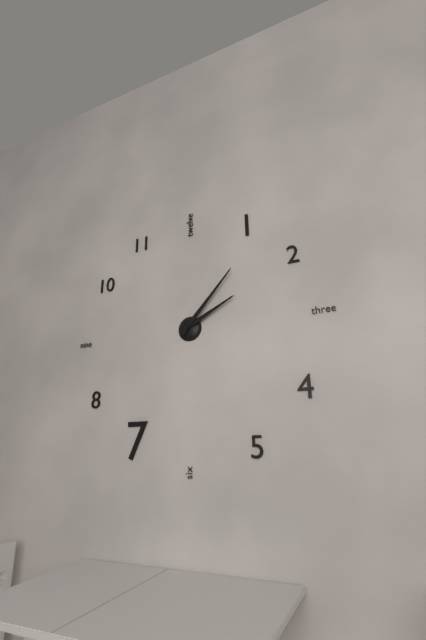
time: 2:07
